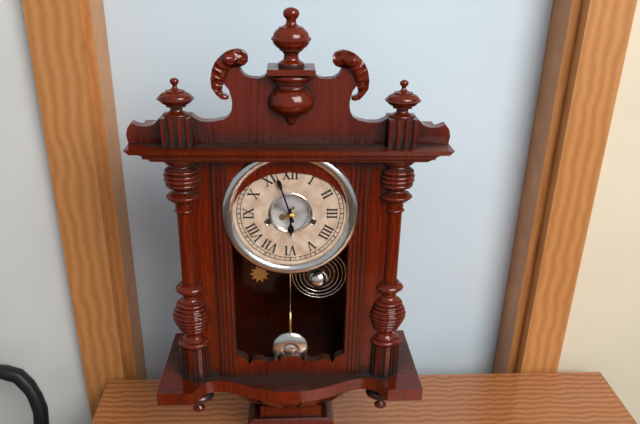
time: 5:57
